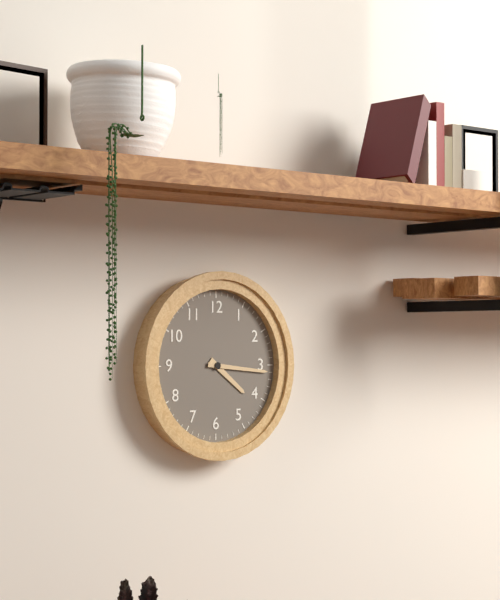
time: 4:16
